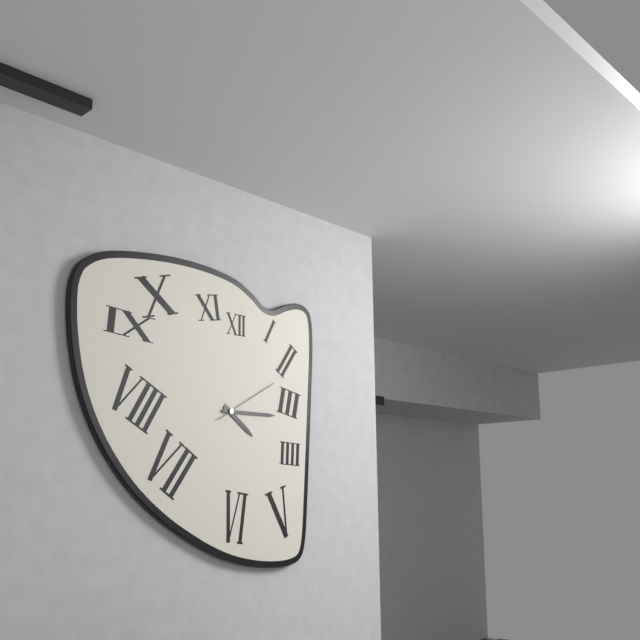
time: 4:15:10
